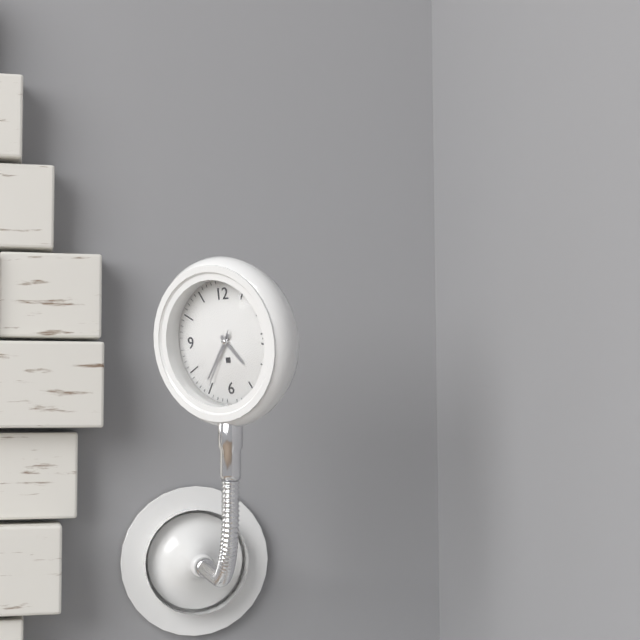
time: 4:36:35
